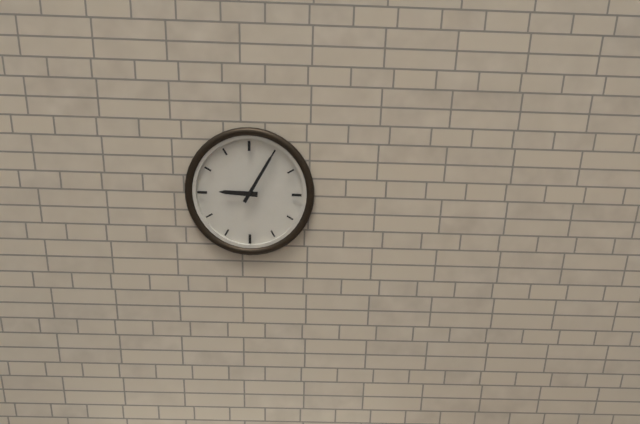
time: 9:05
